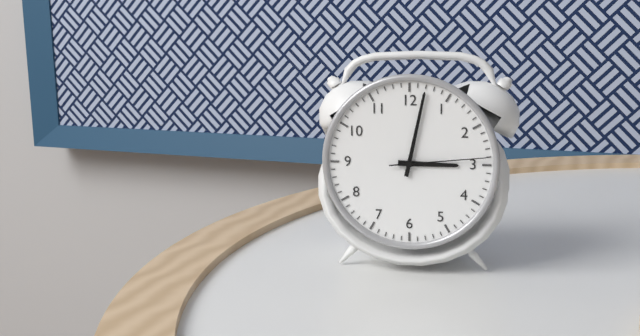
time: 3:02:14
